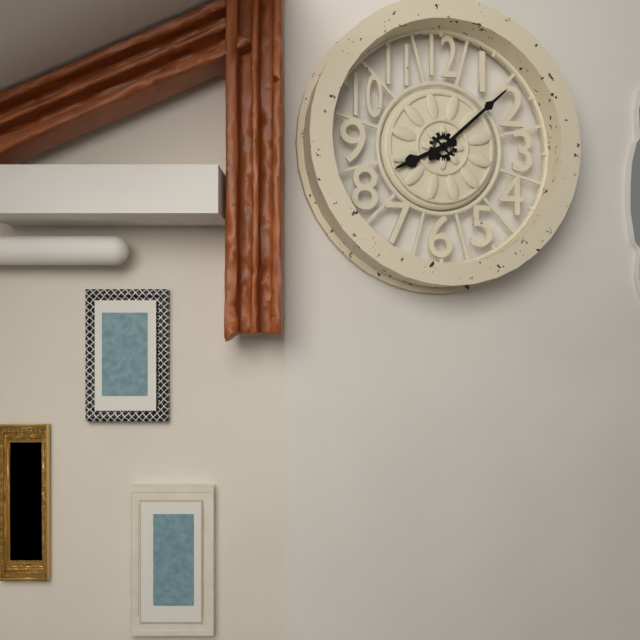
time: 8:08
